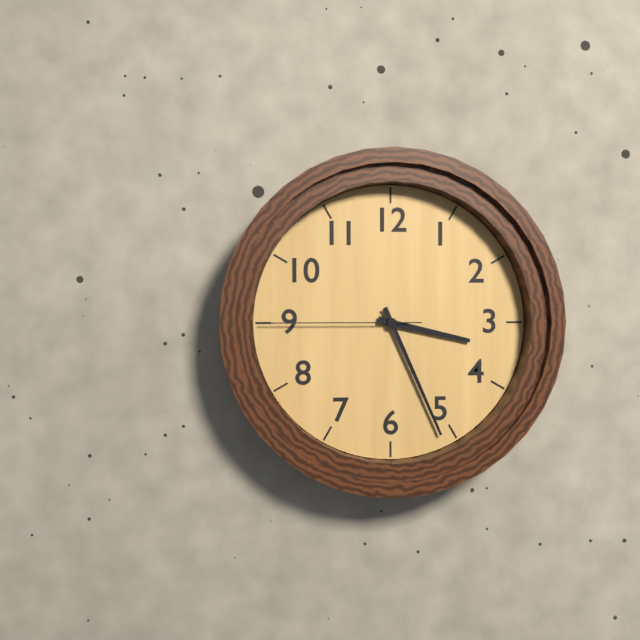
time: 3:26:45
